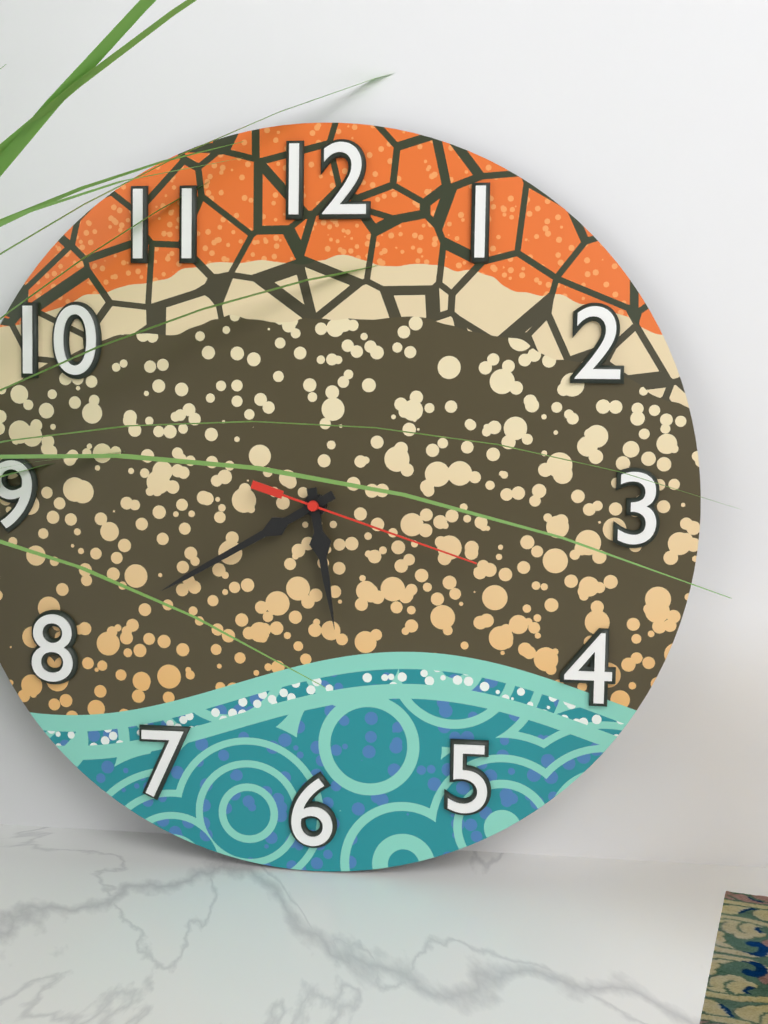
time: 5:40:18
